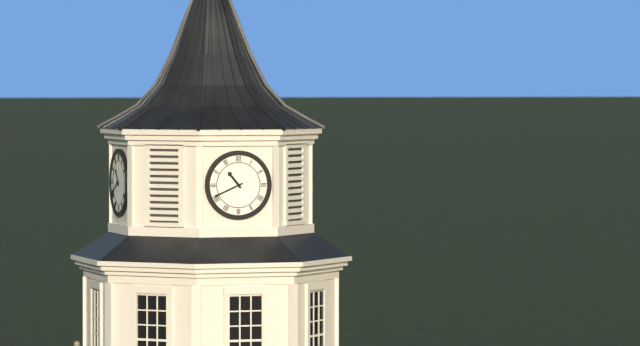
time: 10:41
